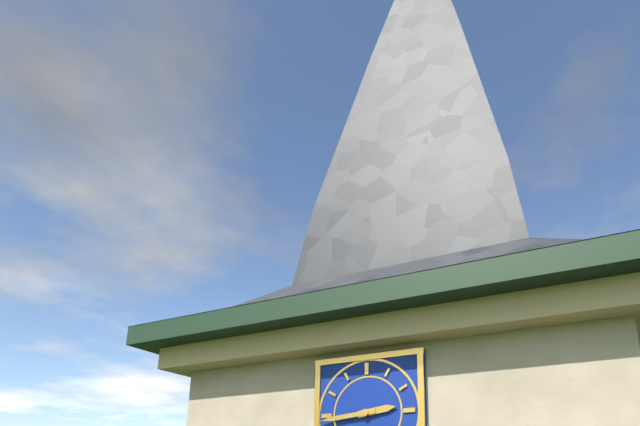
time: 2:44
